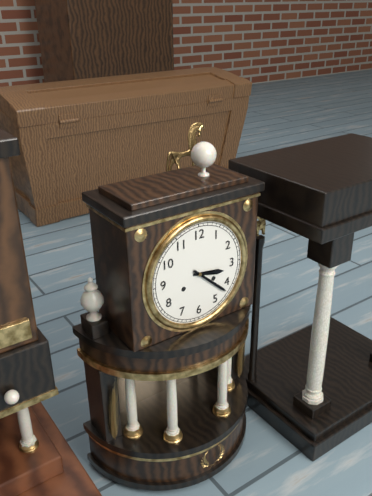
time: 3:22
